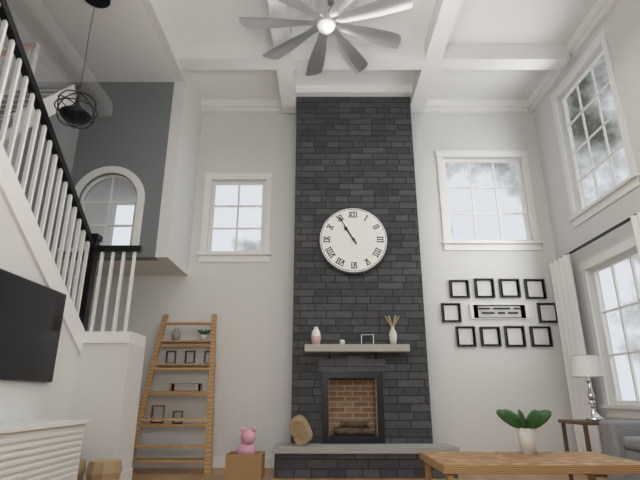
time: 10:55
